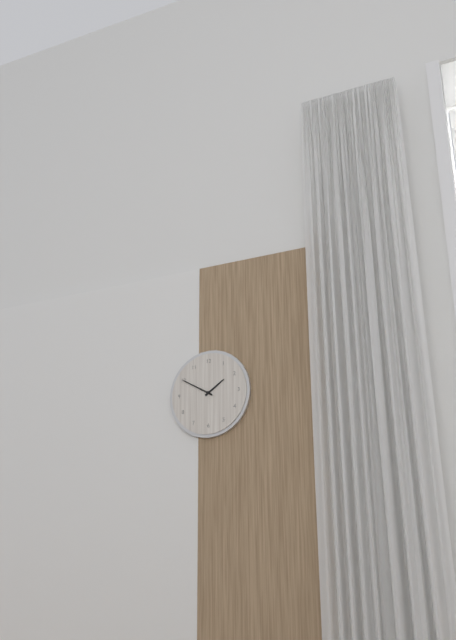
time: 1:50
